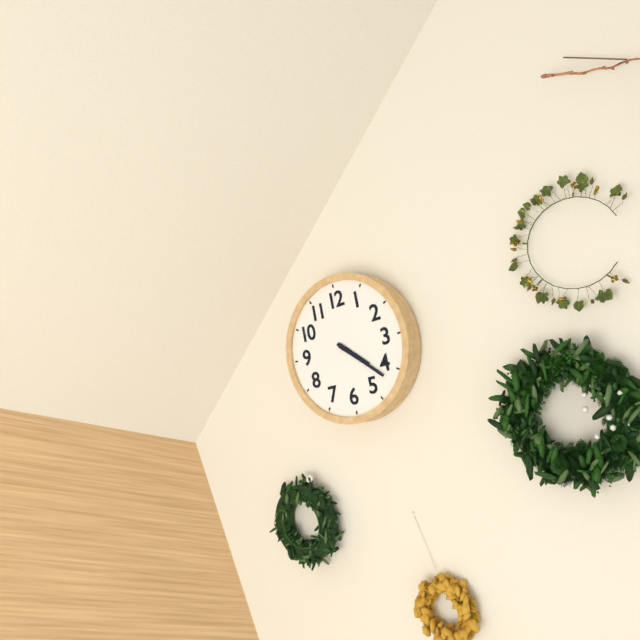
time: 4:22
